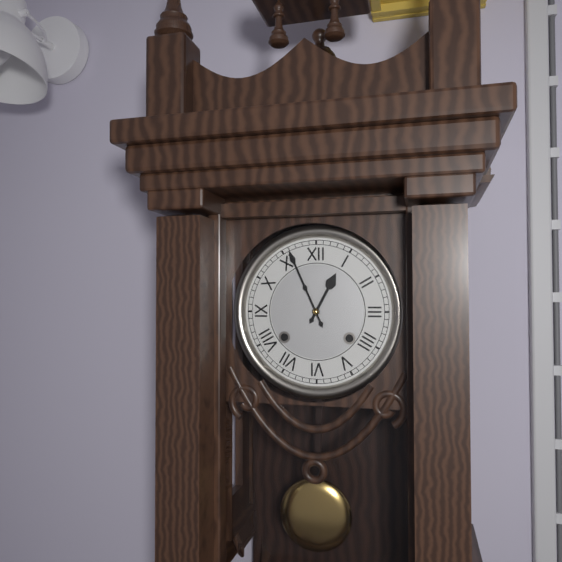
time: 12:56
